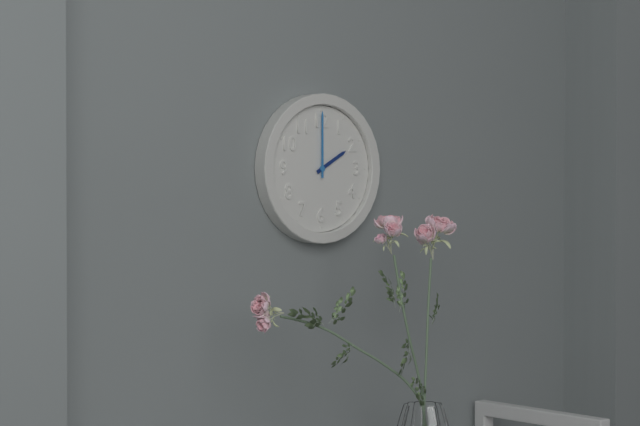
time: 2:00
